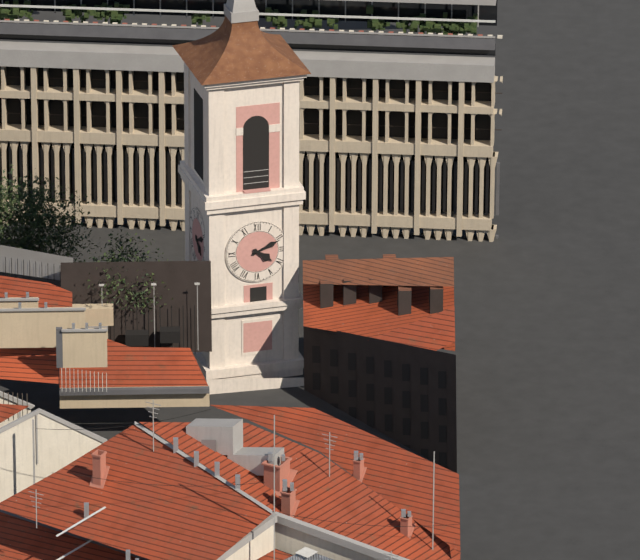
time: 4:11
